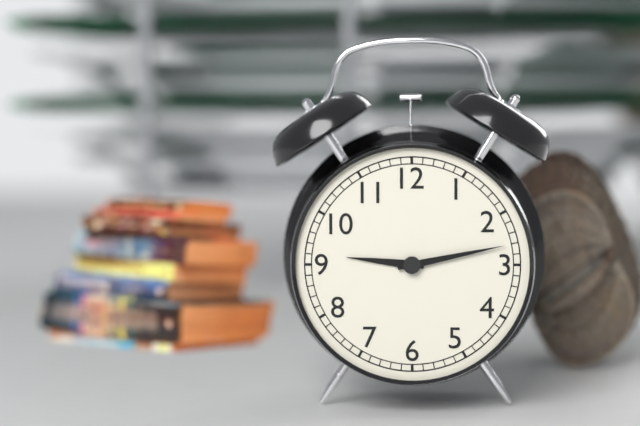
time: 9:13
